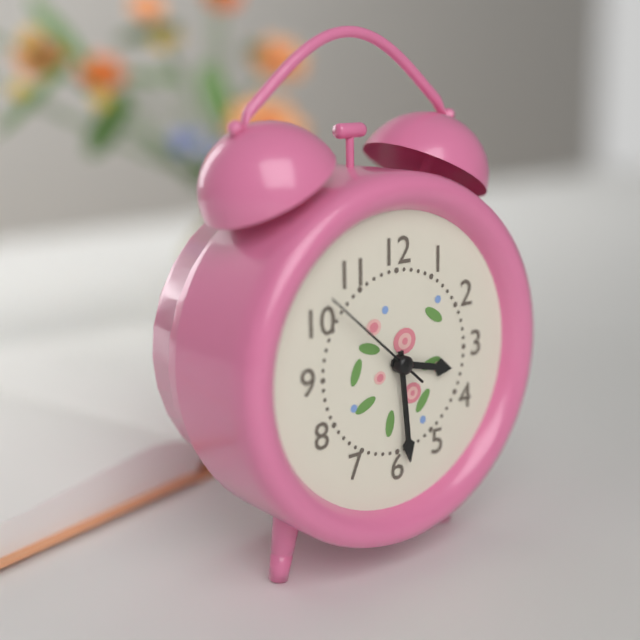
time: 3:29:52
